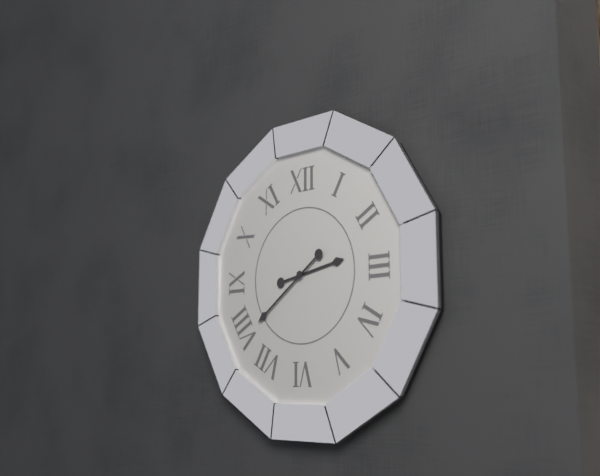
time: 2:39
